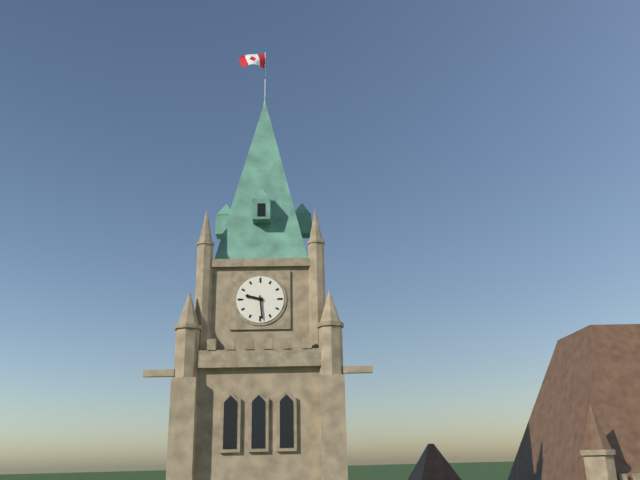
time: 9:29
